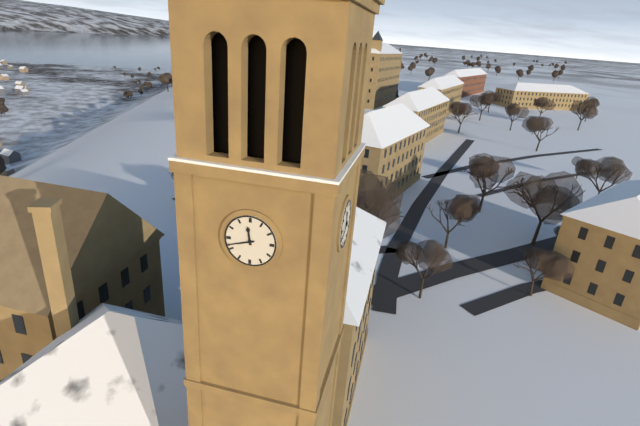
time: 11:42
